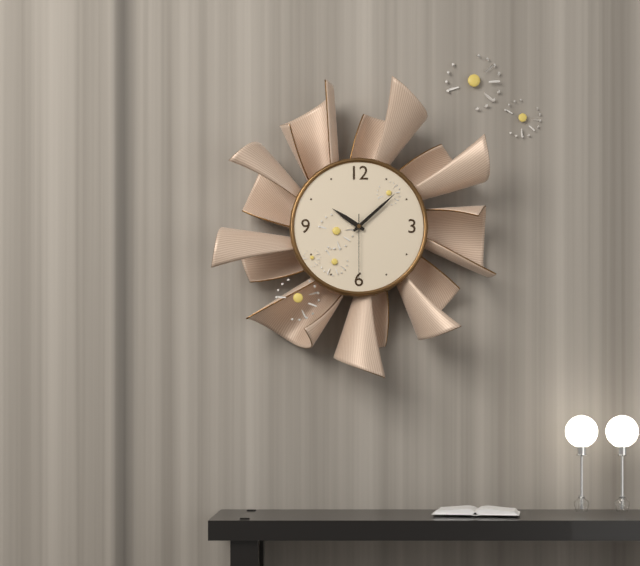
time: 10:08:30
